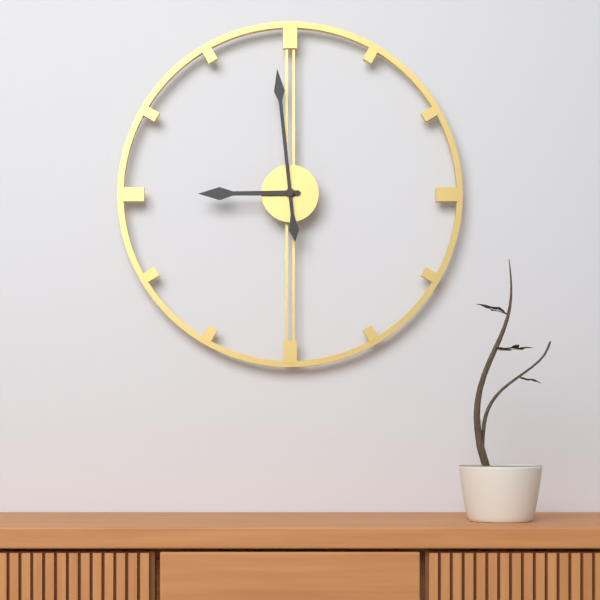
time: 8:59
